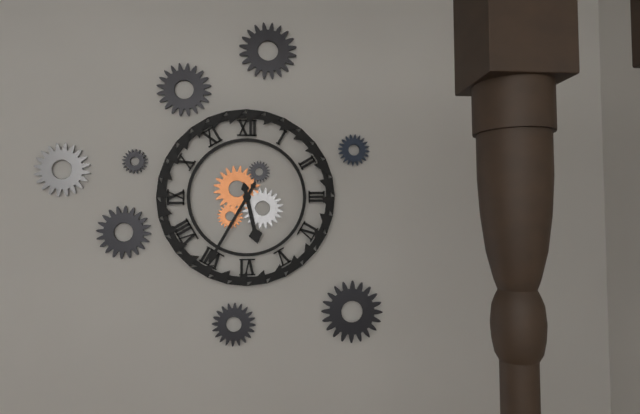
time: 5:35
